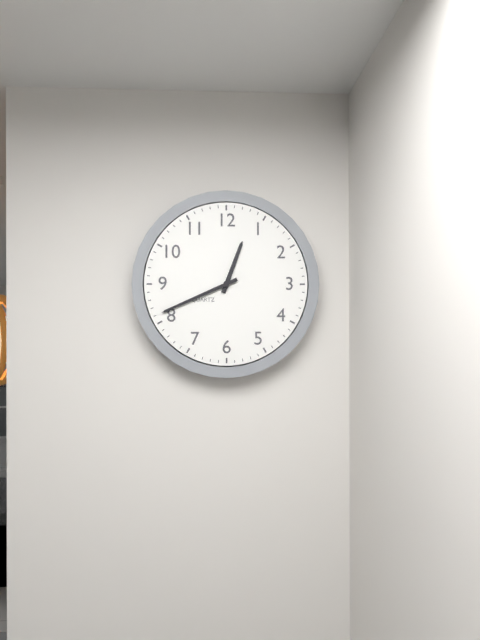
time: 12:41
